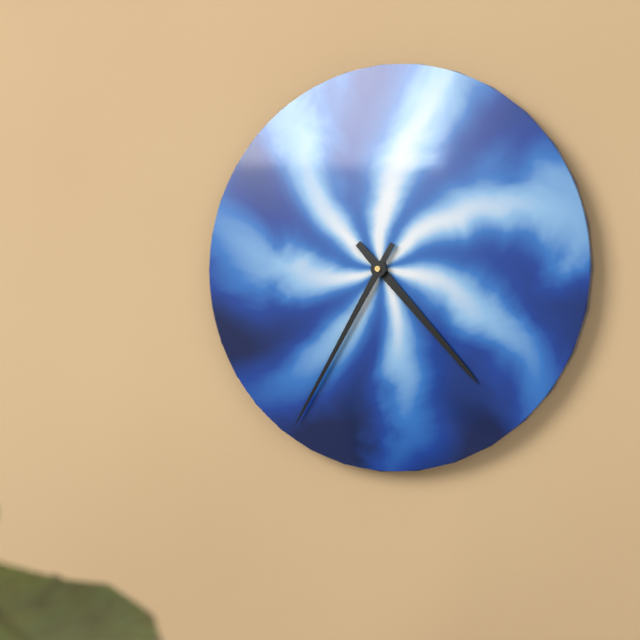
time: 4:35
